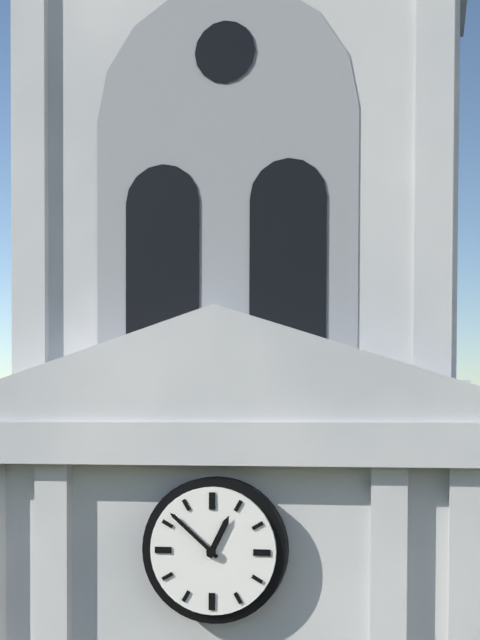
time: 12:52
